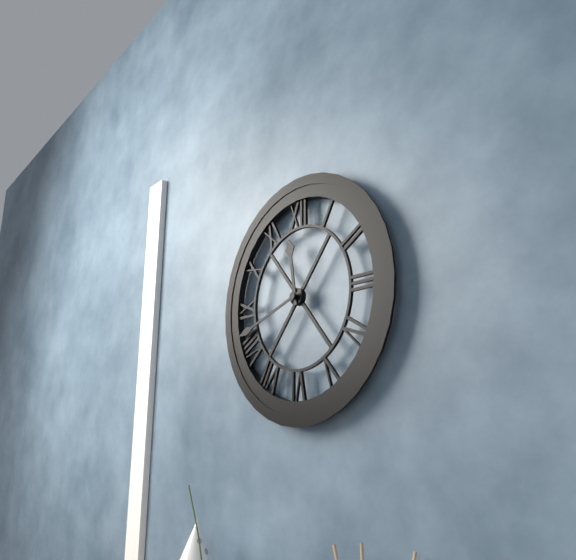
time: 11:42
